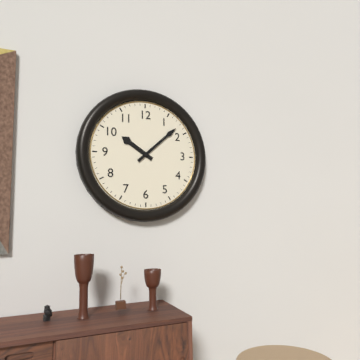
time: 10:08
